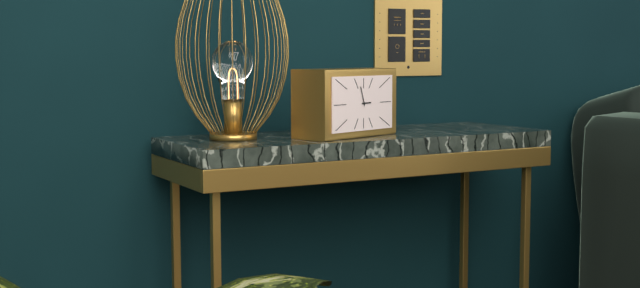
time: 2:57
